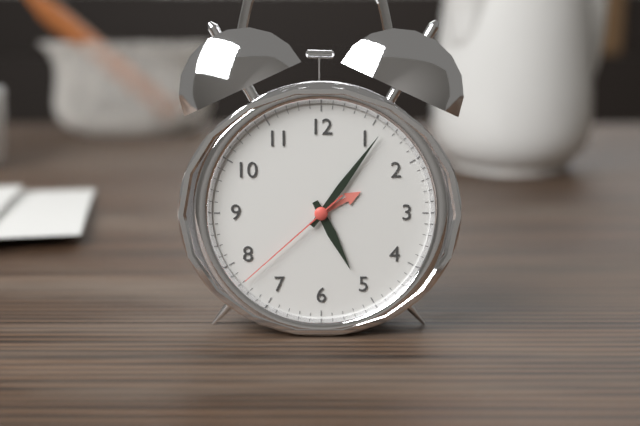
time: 5:06:38
